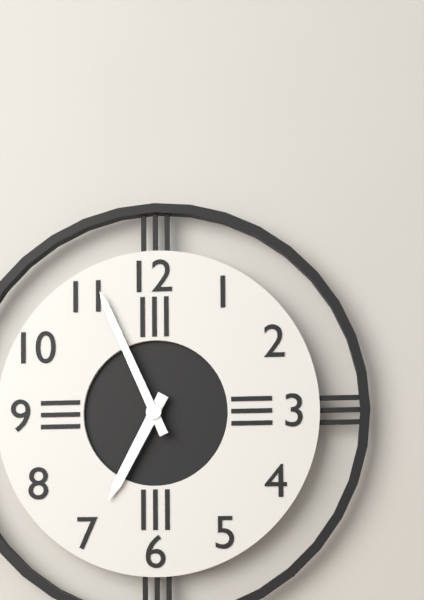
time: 6:56
